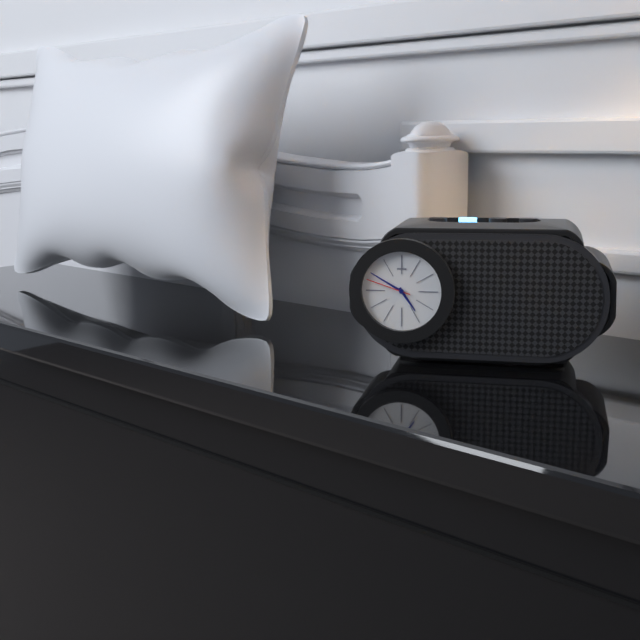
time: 4:50:48
